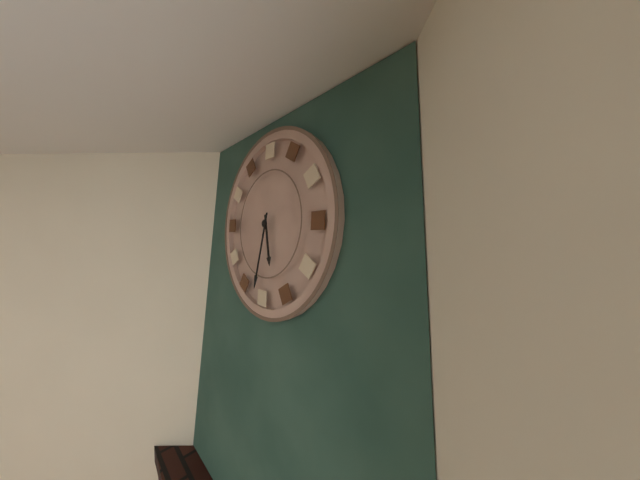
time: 5:32
